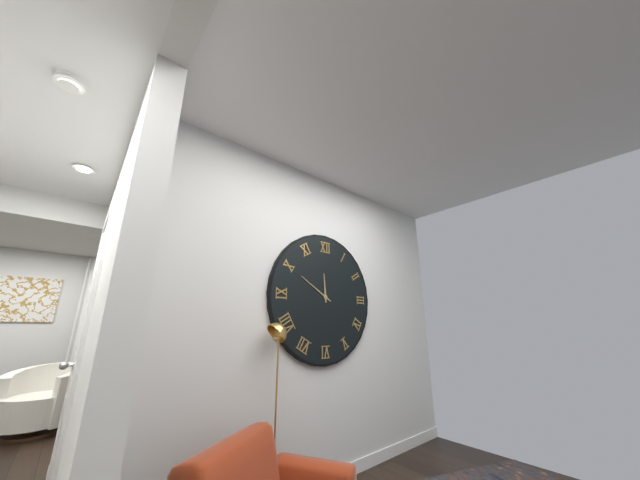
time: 11:50
